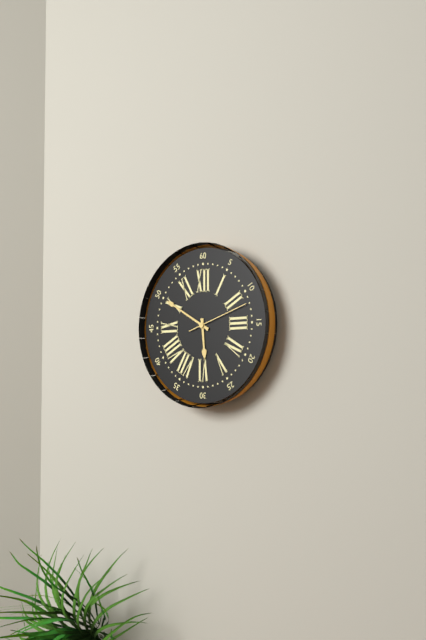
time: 5:50:12
